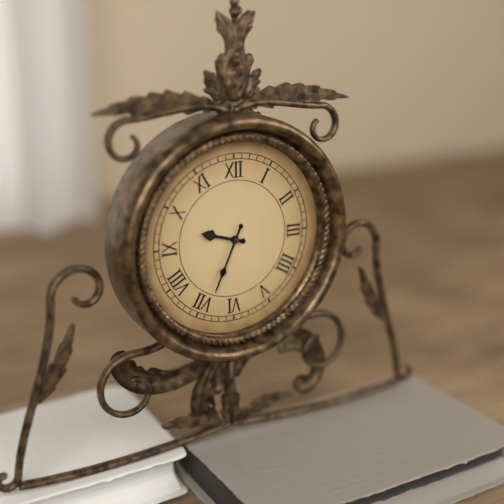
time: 9:34
